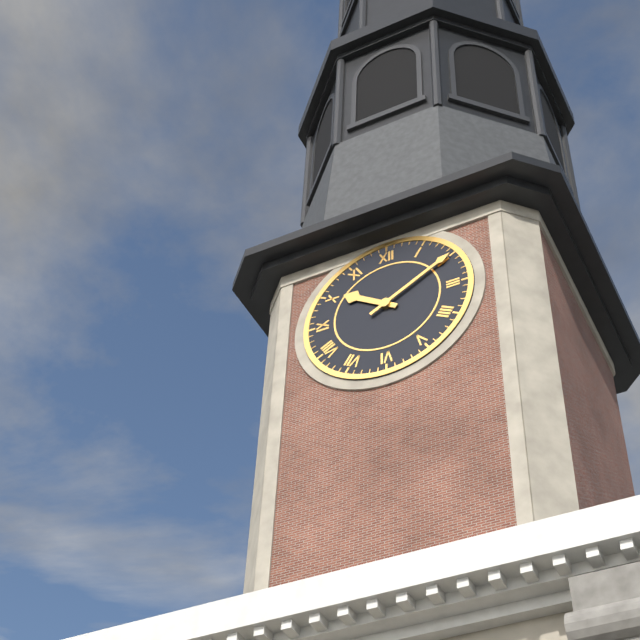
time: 10:10
